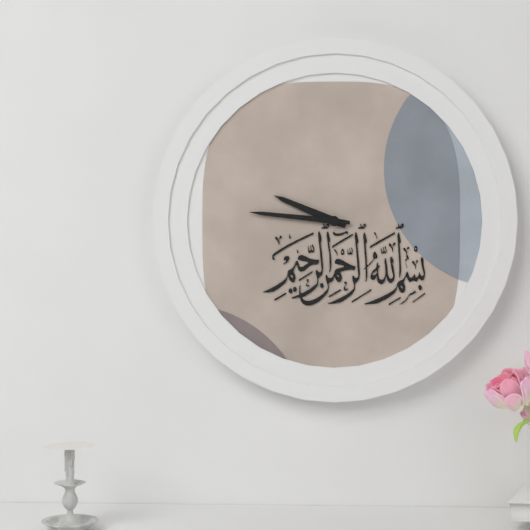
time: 9:46
